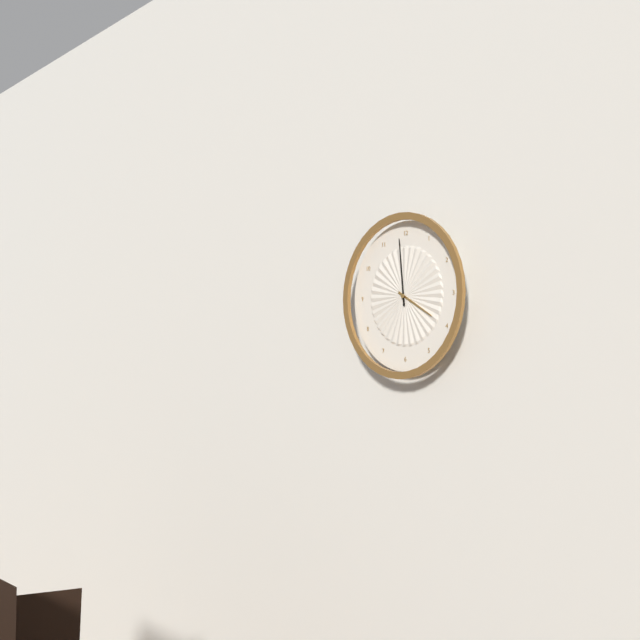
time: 3:59
